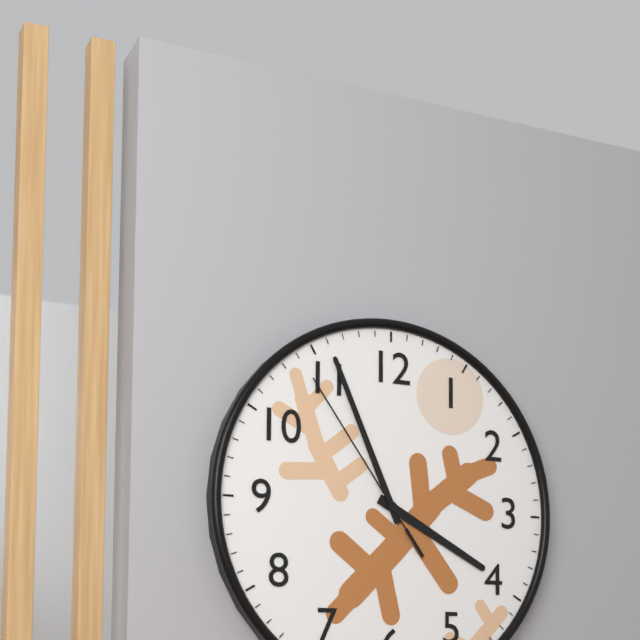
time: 3:56:54
